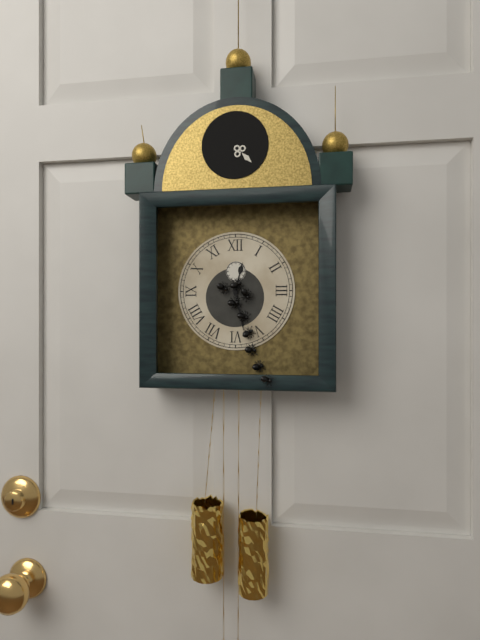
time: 12:28
